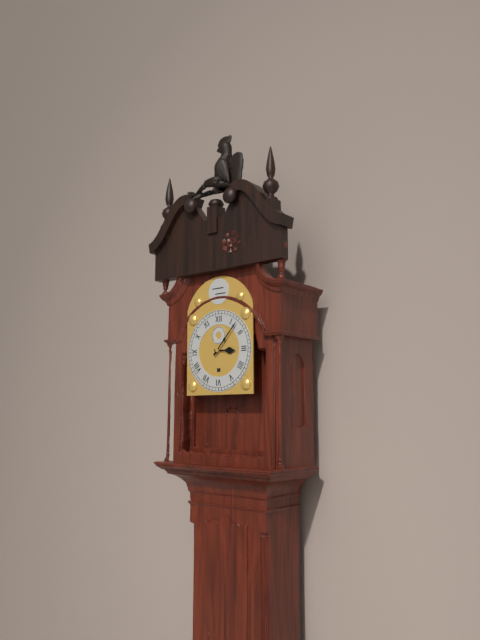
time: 3:07
